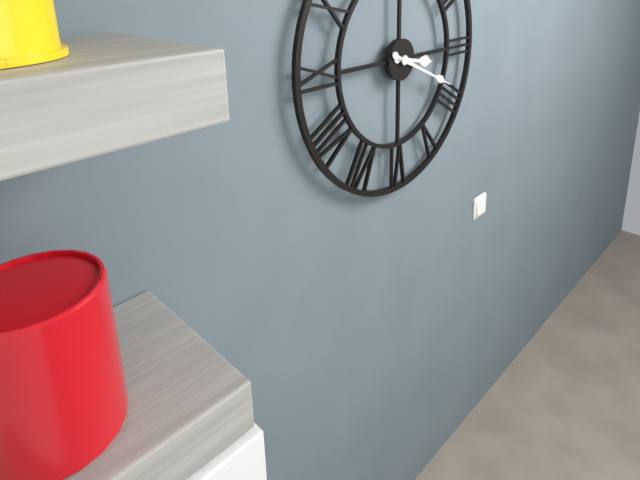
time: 3:19
